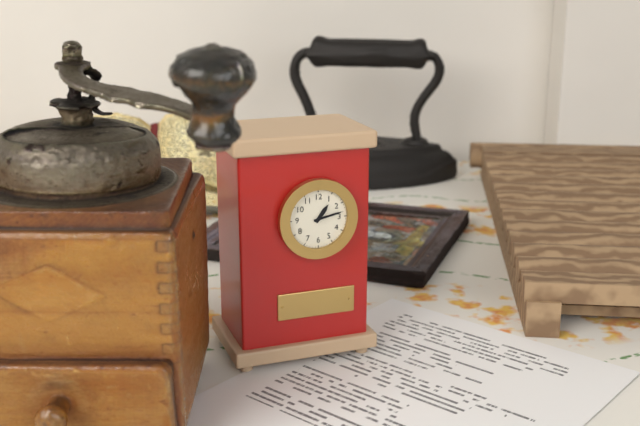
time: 1:13
